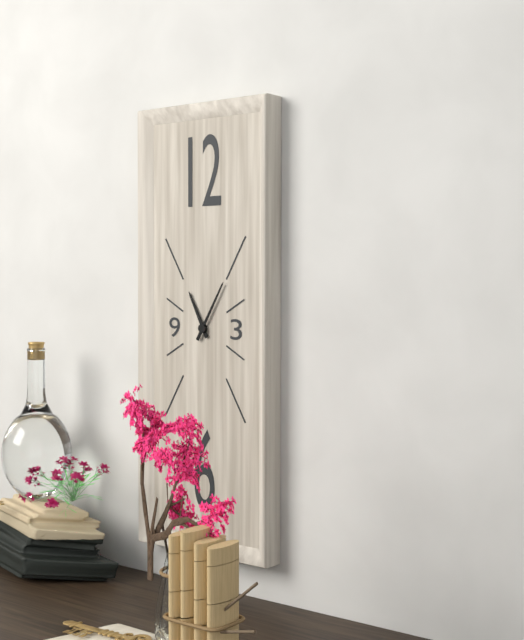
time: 11:05
